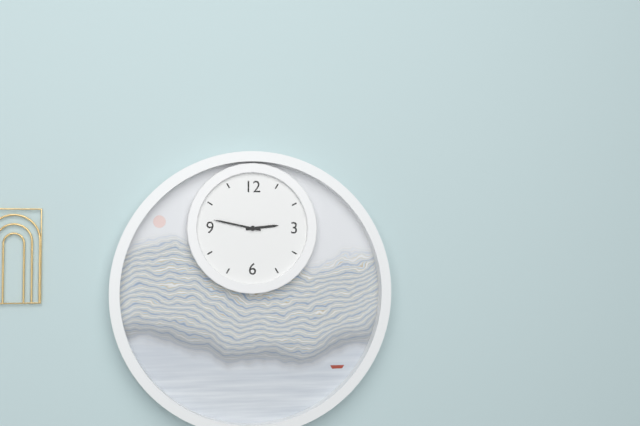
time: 2:47
